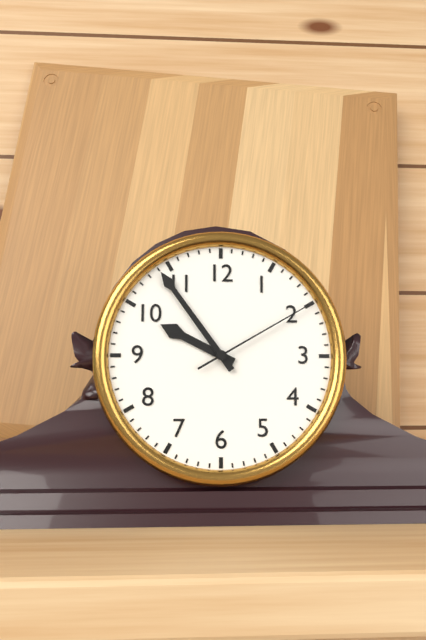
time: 9:54:10
